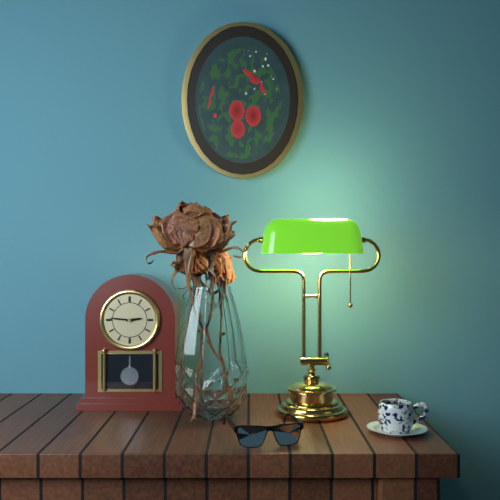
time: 2:46
